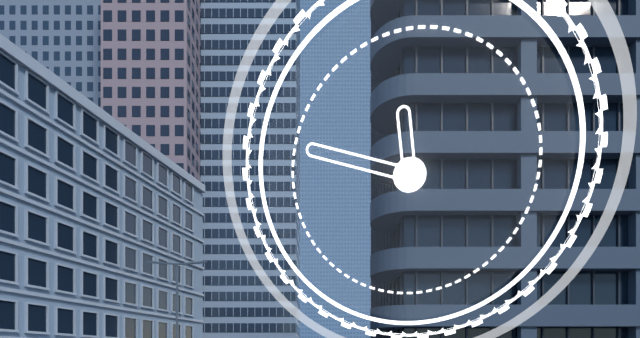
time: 11:48
